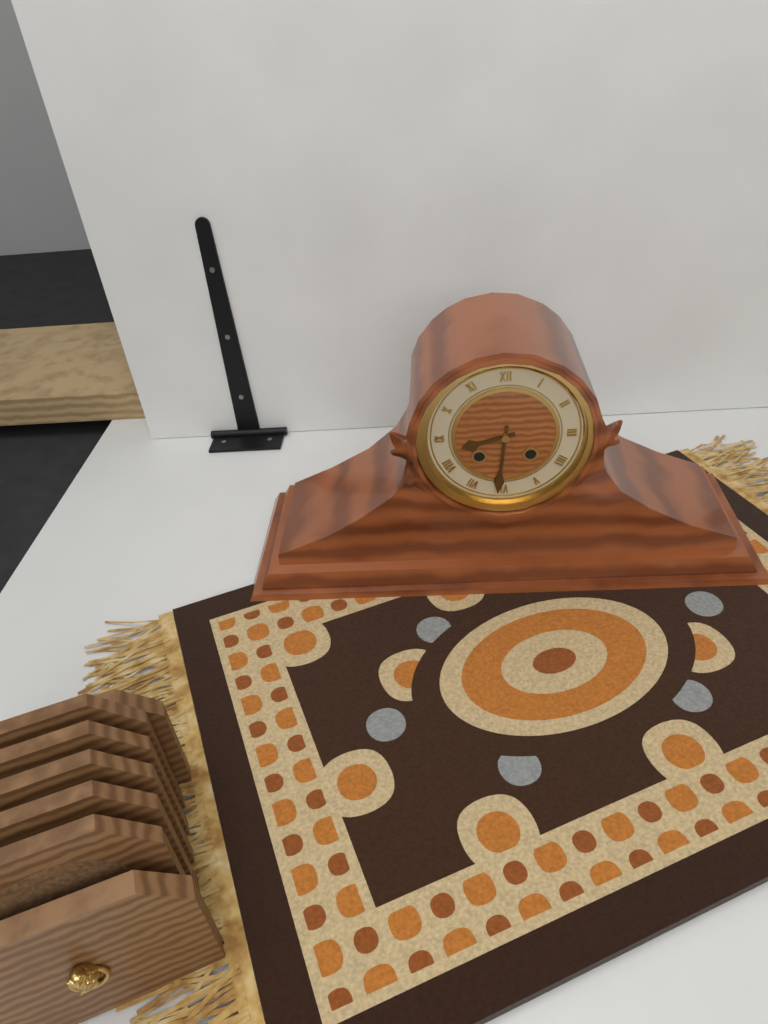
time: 8:31
